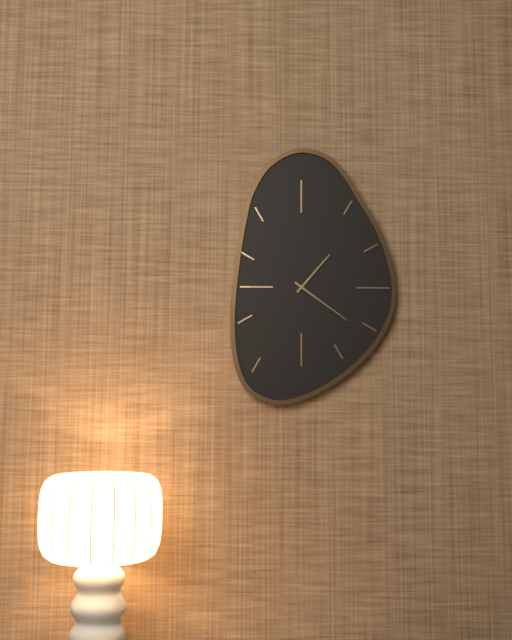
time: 1:21
